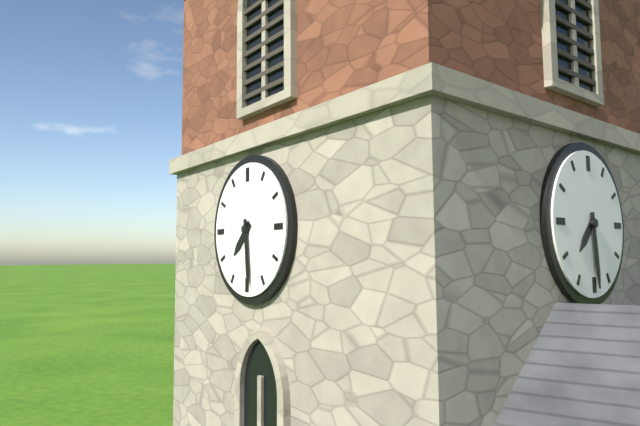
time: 7:29
